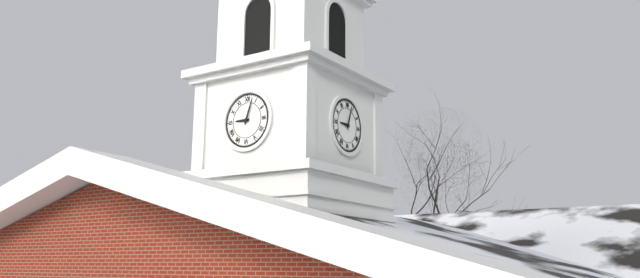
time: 9:03
